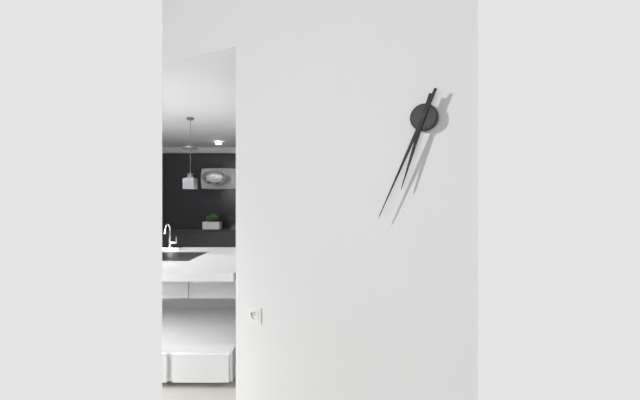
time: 6:34
